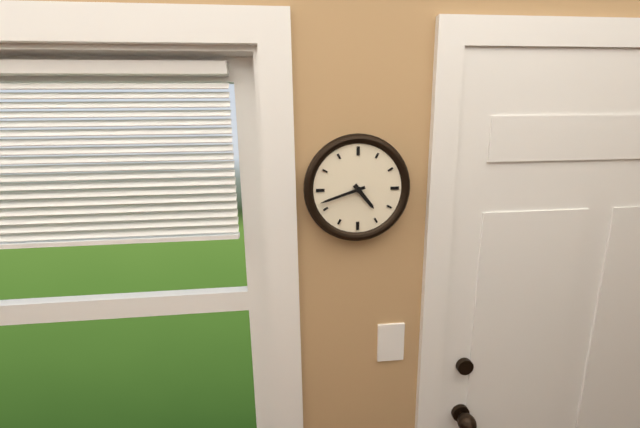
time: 4:42
